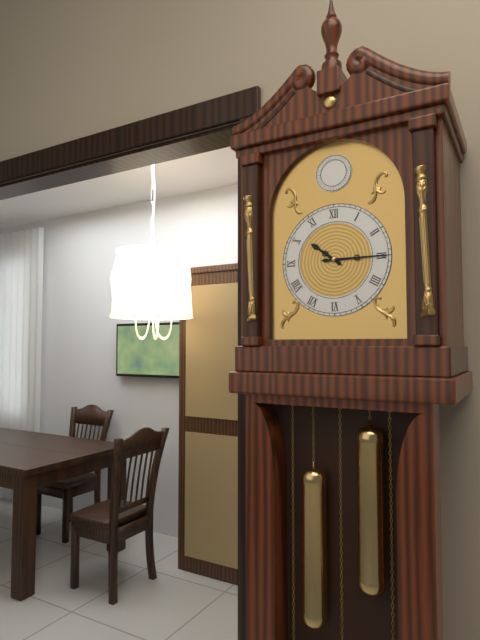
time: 10:15
